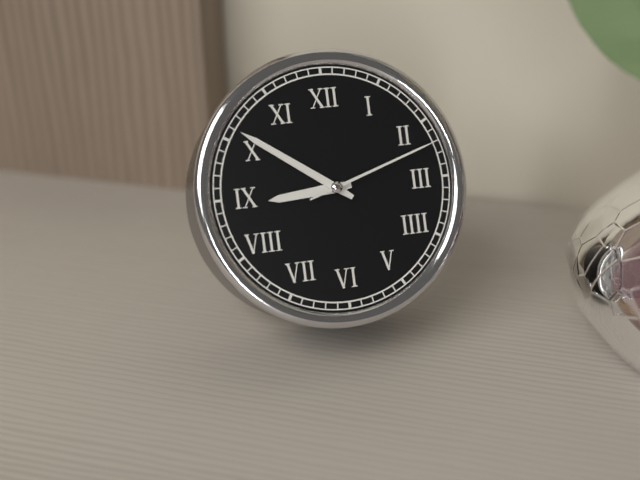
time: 8:51:12
